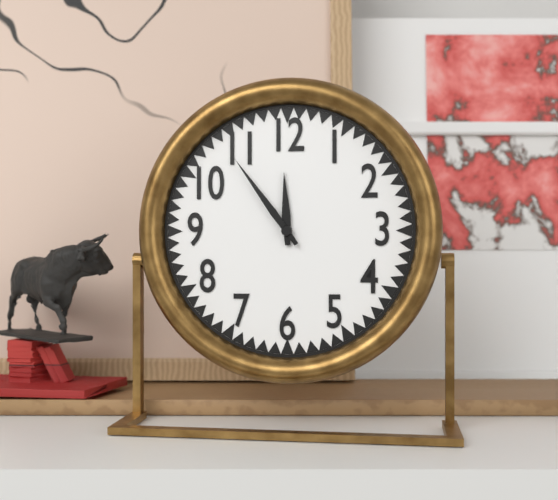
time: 11:54
